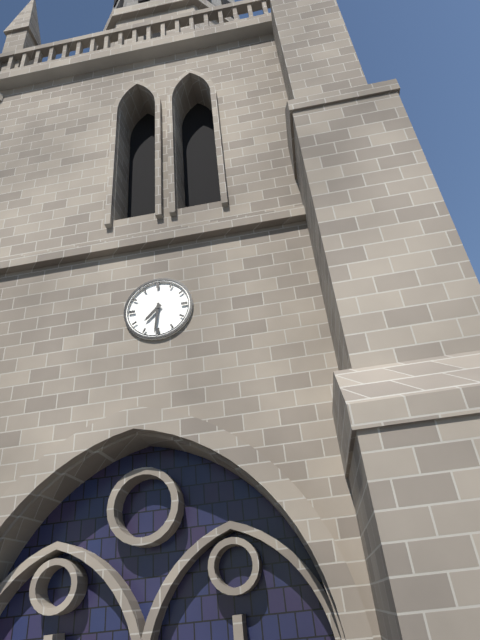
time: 7:31
